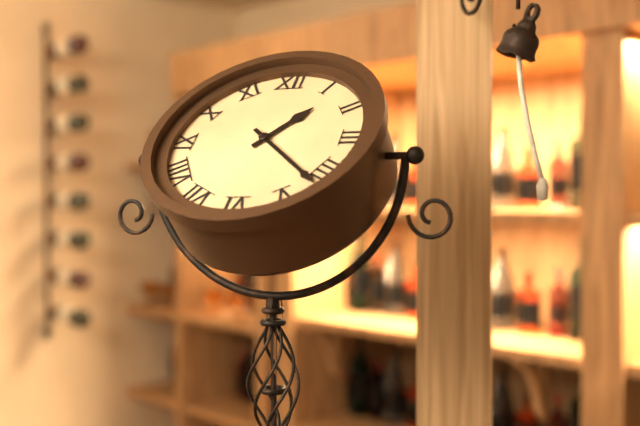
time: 1:22
